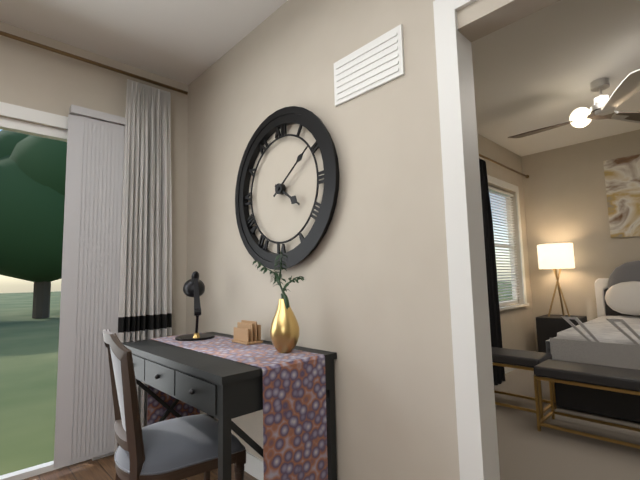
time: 4:09
